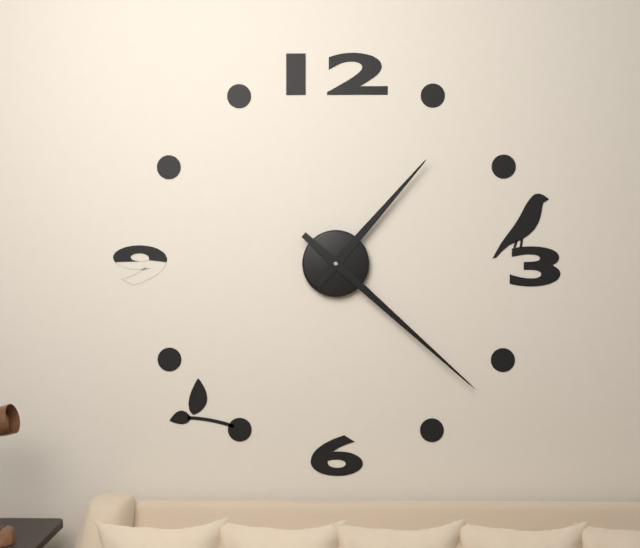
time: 1:22
